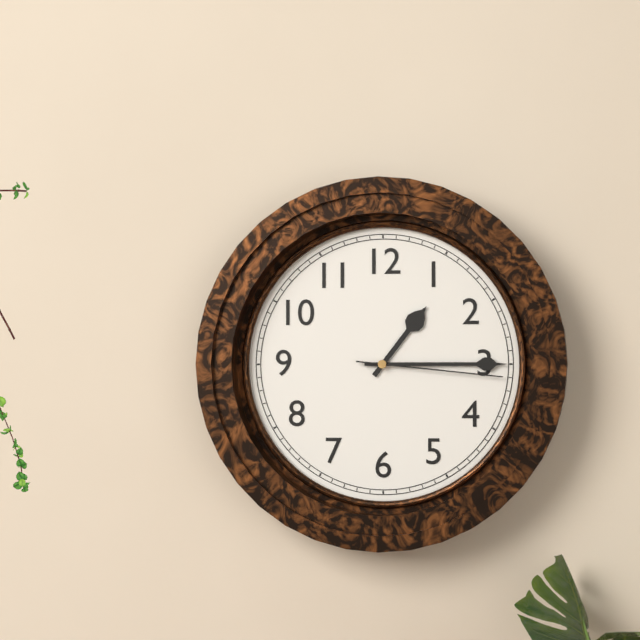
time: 1:15:16
